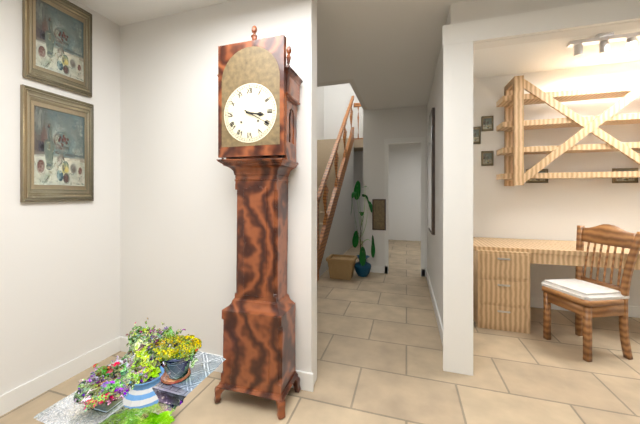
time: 3:20
